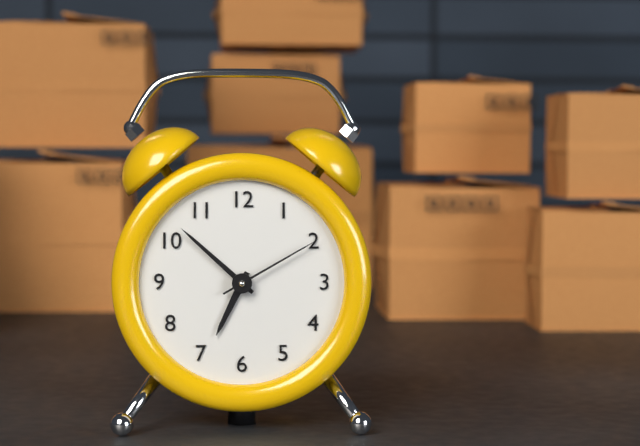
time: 6:52:10
